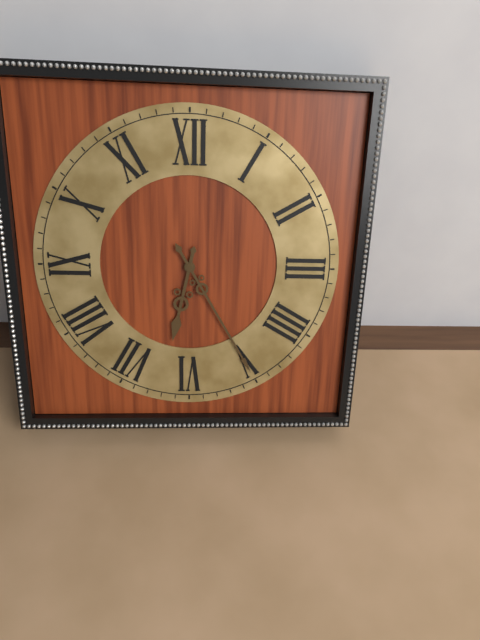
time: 6:25
